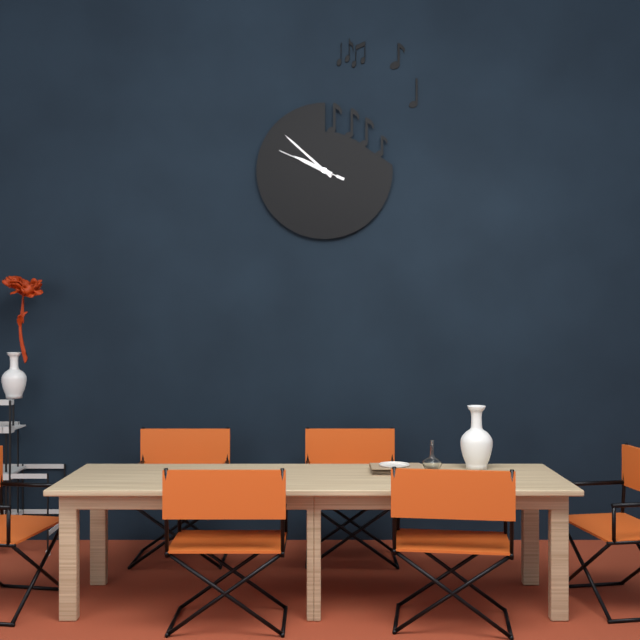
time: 9:52:49
